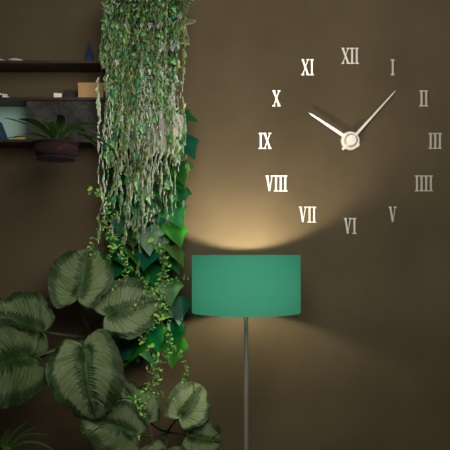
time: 10:07
